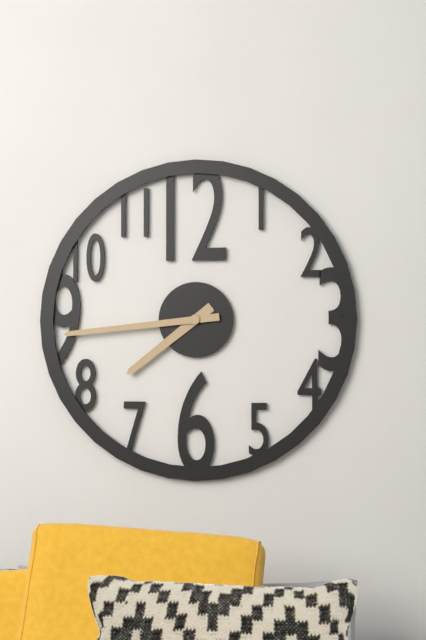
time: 7:44
